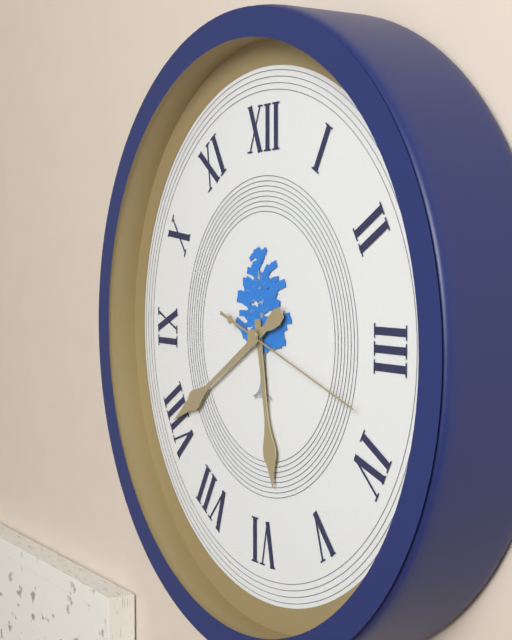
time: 5:40:18
